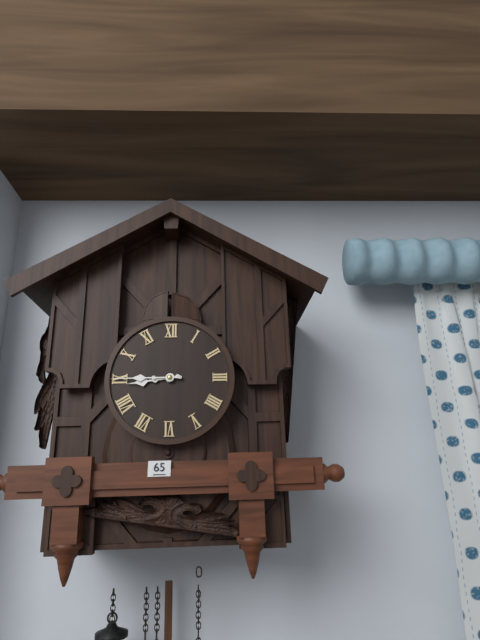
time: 8:45
